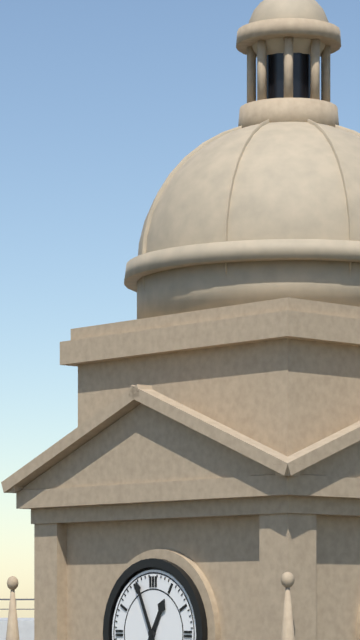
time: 12:56
